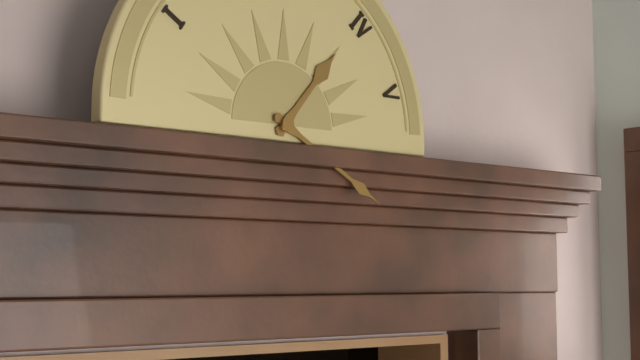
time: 1:20
